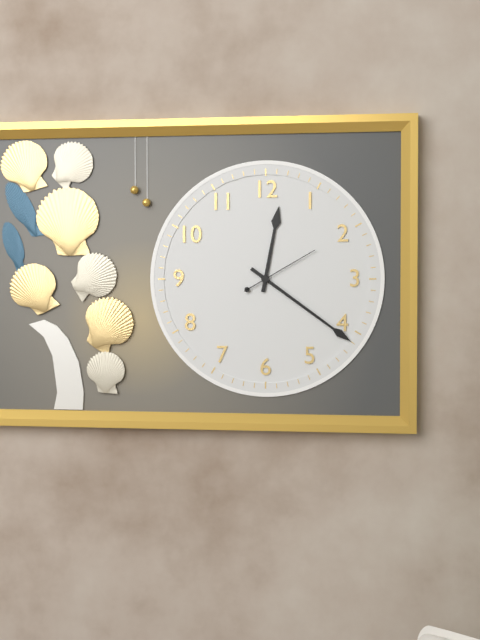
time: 12:21:10
